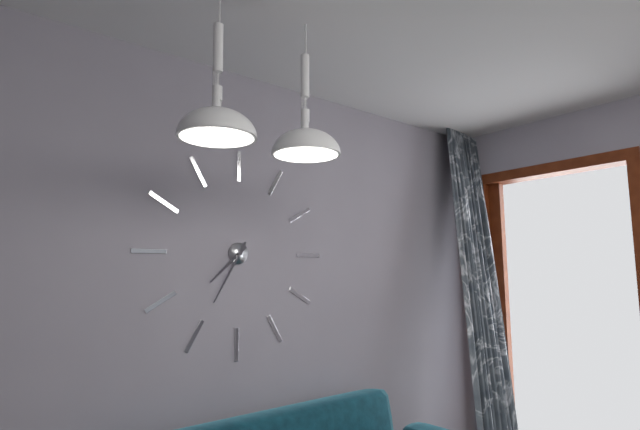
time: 7:35
